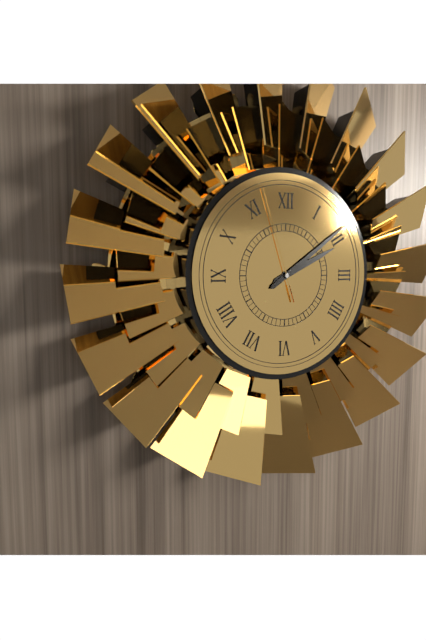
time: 2:09:57
